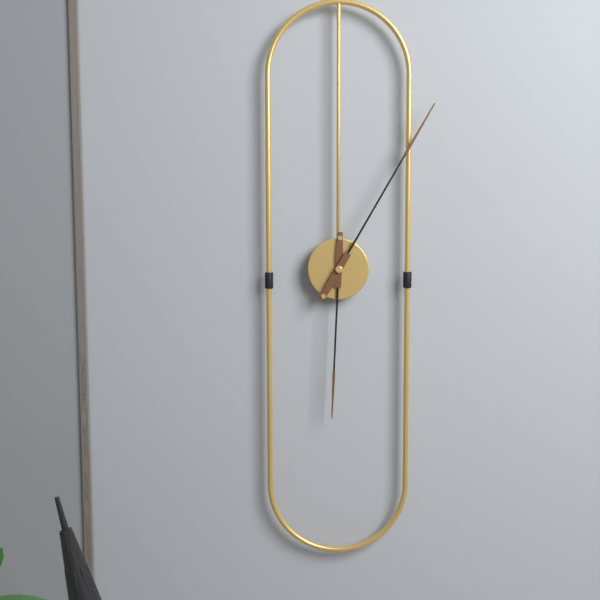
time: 6:05
